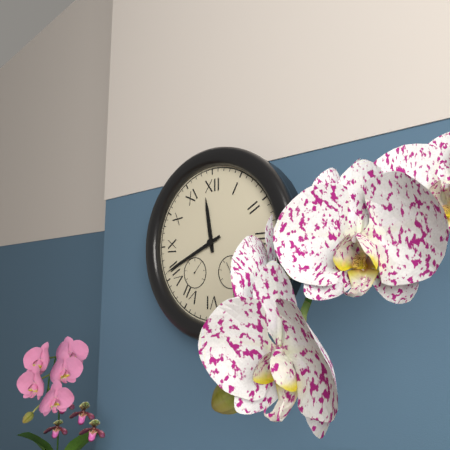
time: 11:41
